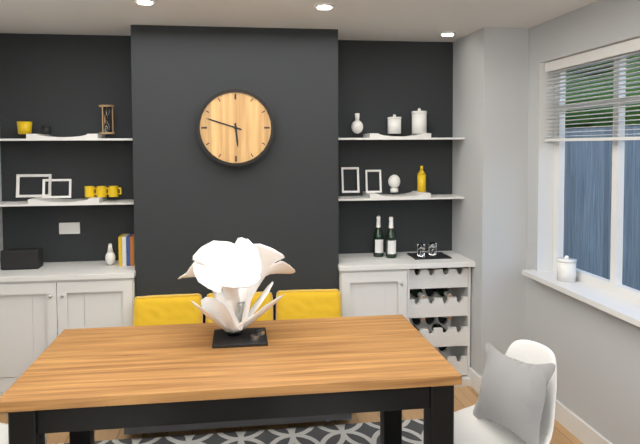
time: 5:48
